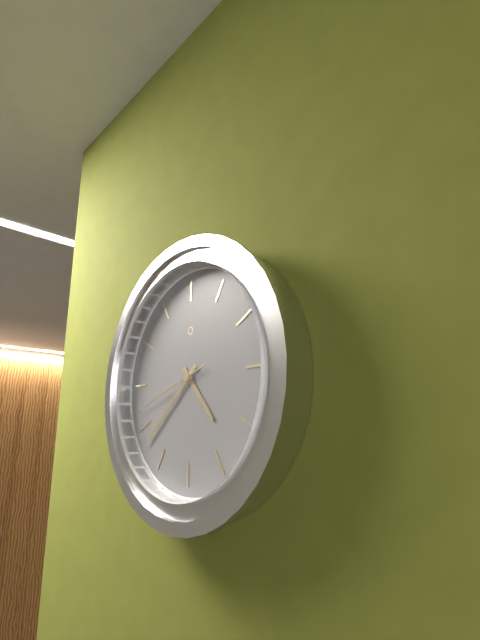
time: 4:38:42
